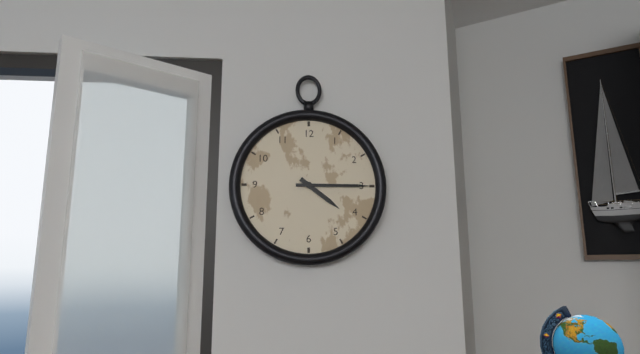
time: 4:15
